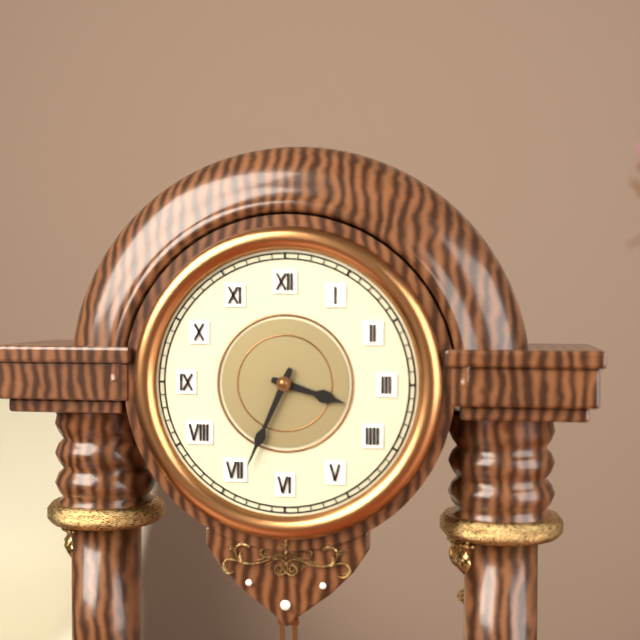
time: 3:34
